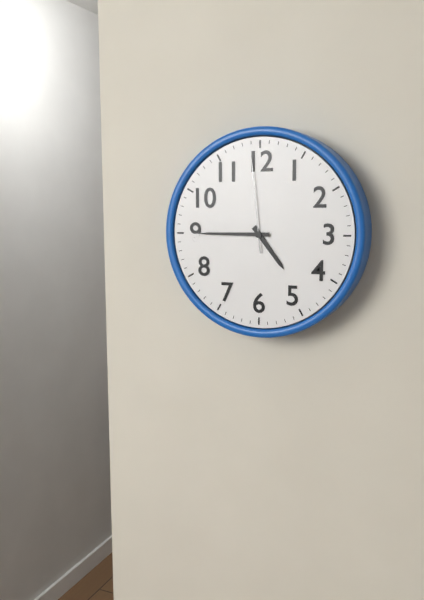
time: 4:45:59
